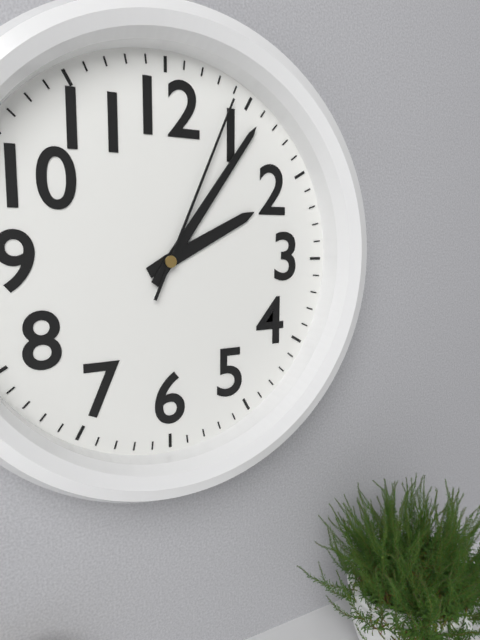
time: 2:06:04
